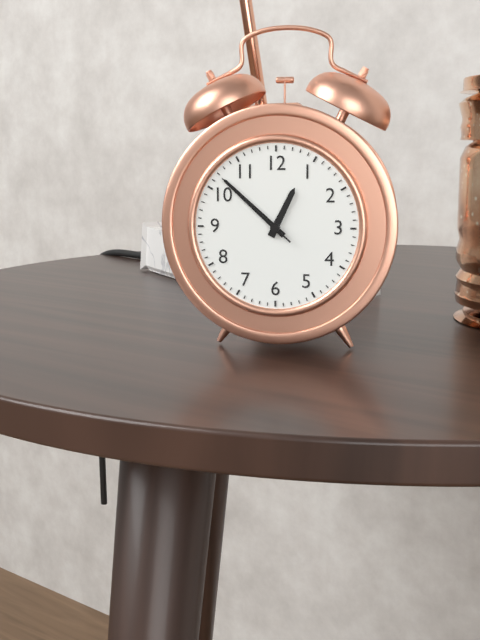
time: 12:52:52
